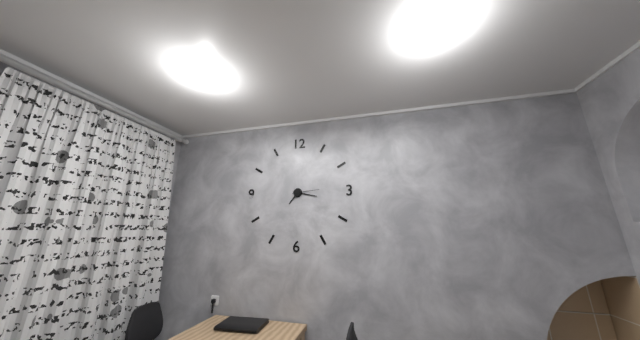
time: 7:17
